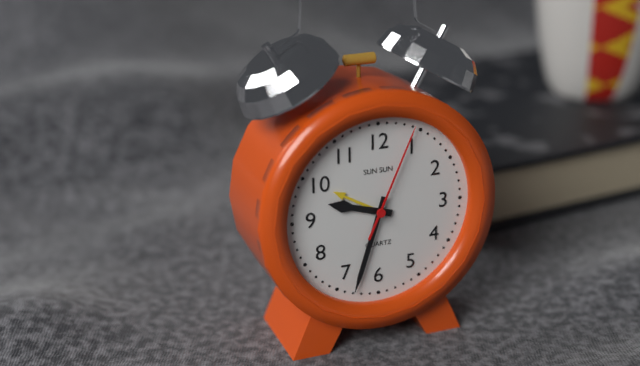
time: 9:33:04
